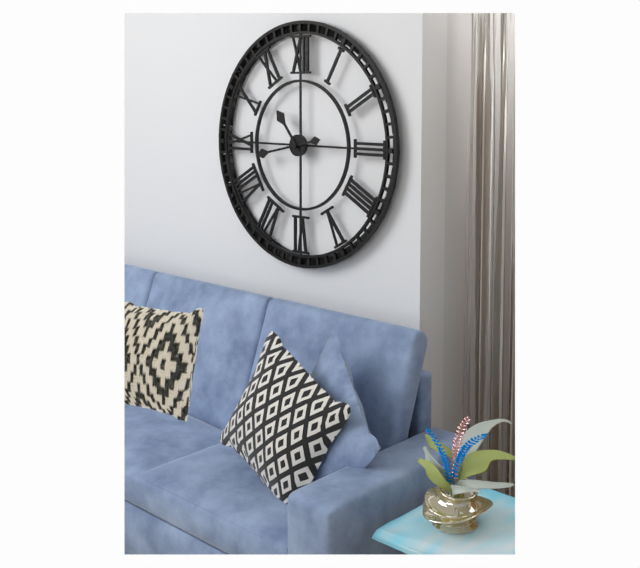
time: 10:43
